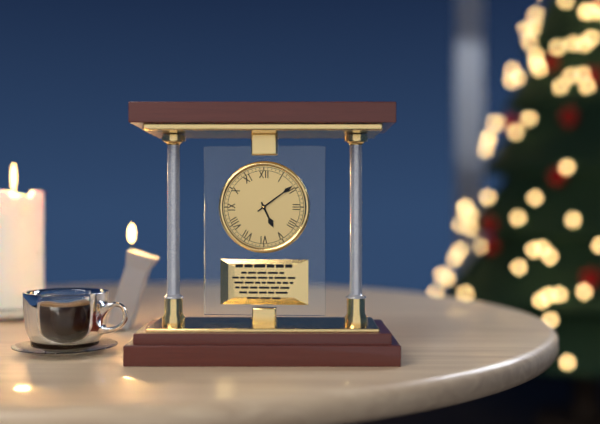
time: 5:09
